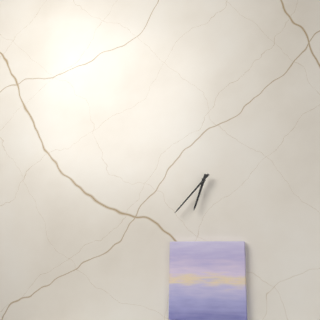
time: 6:37
